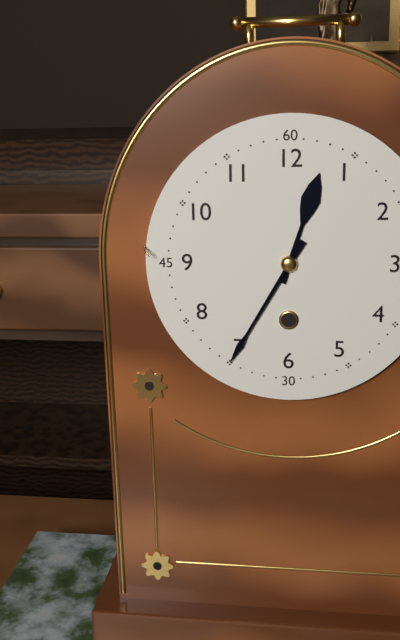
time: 12:35
